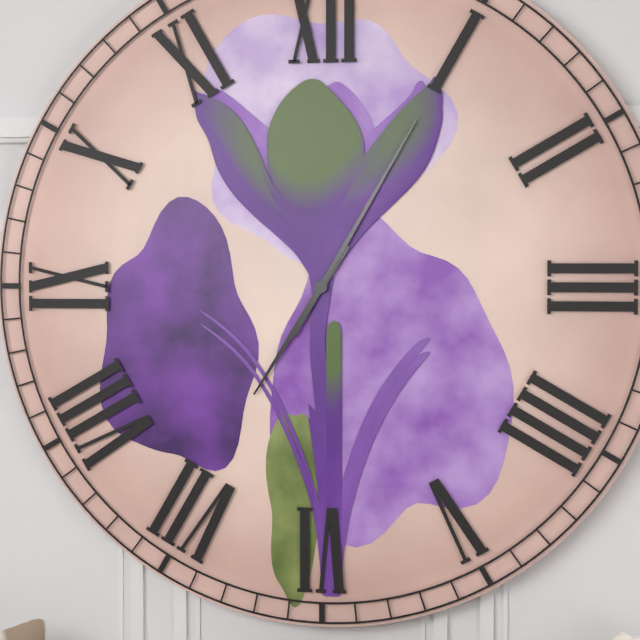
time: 7:05
